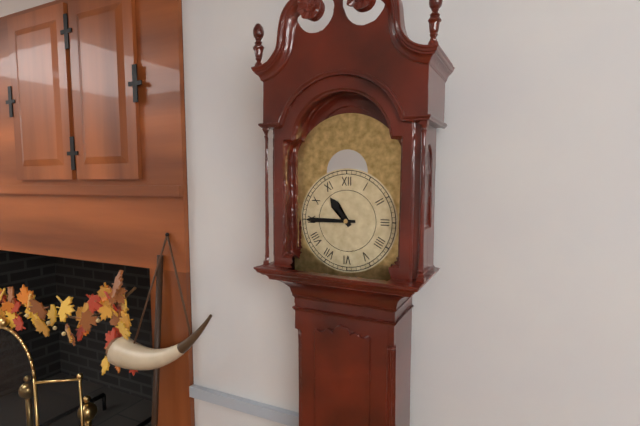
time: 10:45
